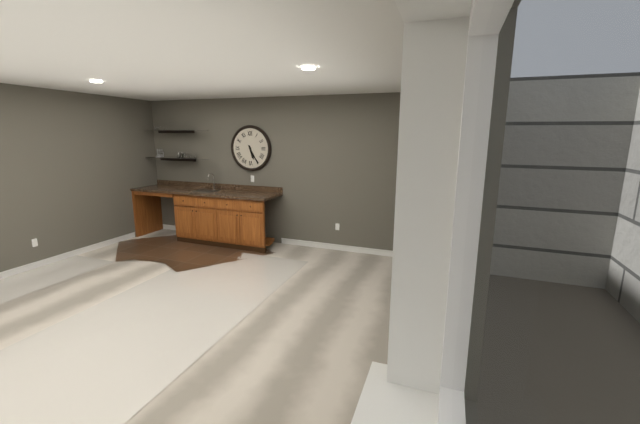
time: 5:25
